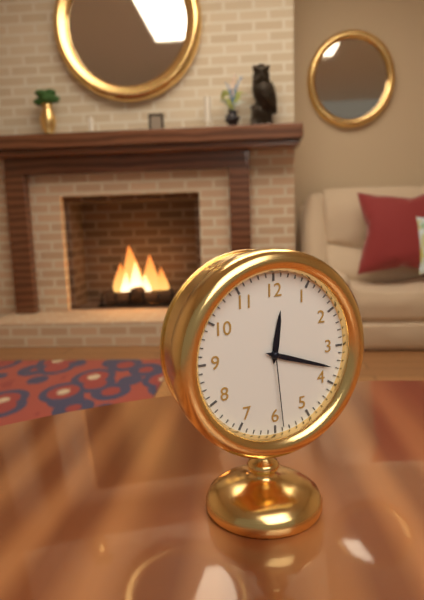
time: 12:18:29
